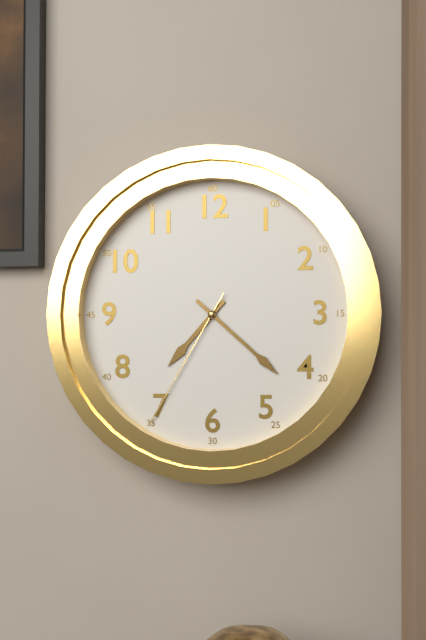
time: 7:22:35
